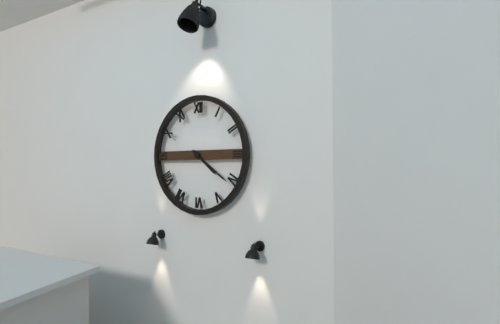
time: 4:21
